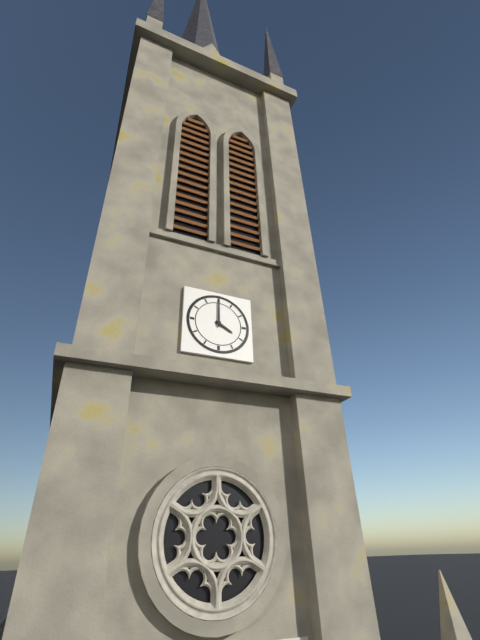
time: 4:00
